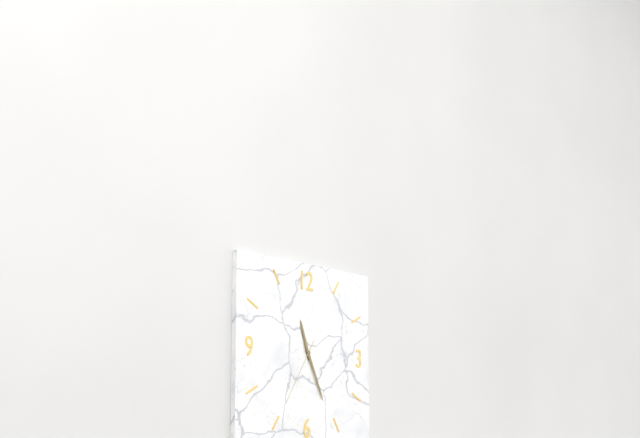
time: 11:26:35
